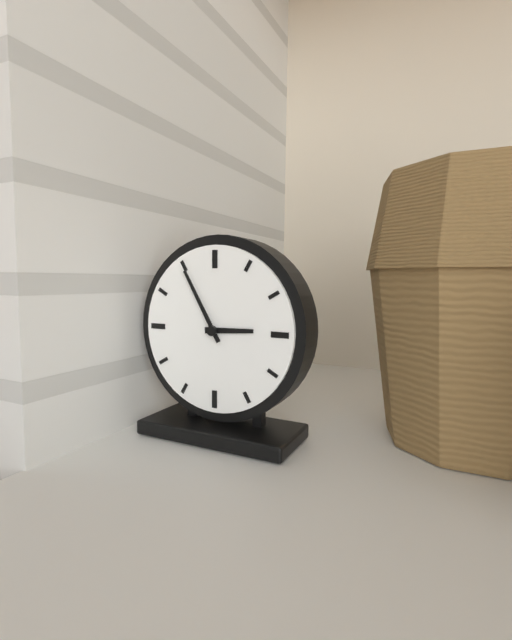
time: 2:55
